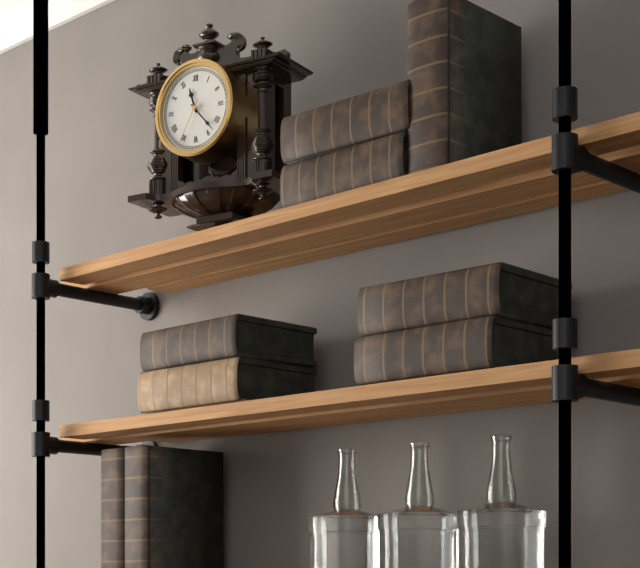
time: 11:23
